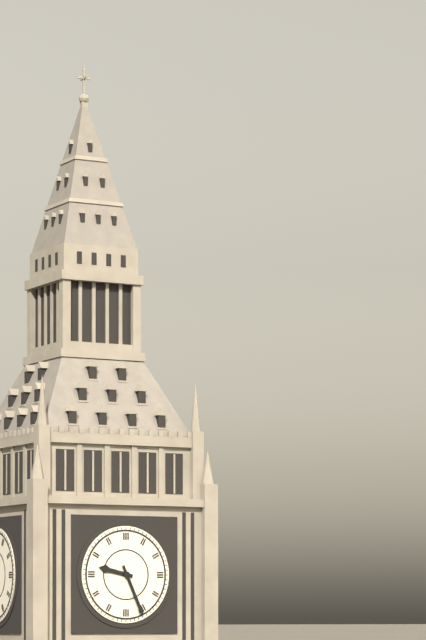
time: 9:26
